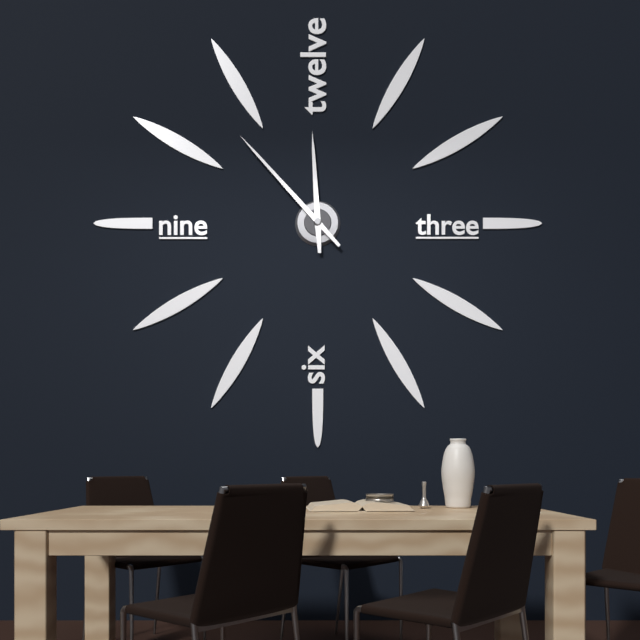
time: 11:53
